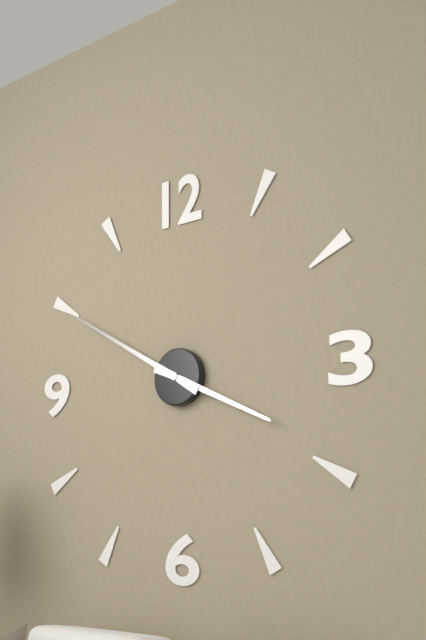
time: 3:50
